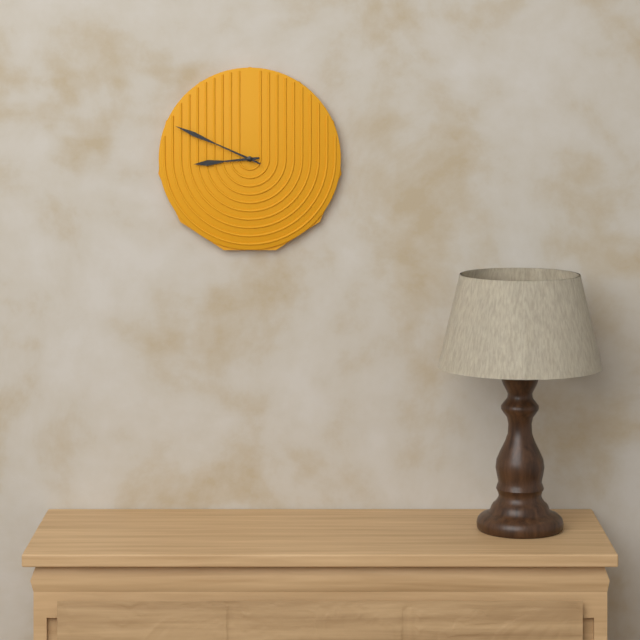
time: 8:49
